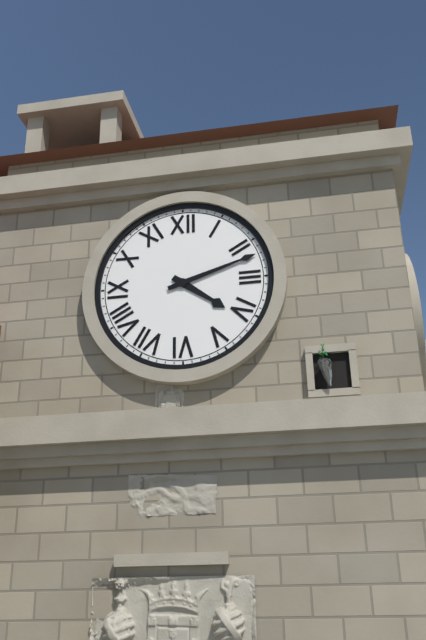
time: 4:12
